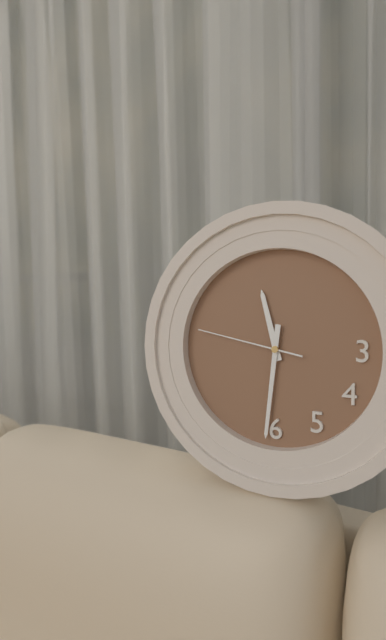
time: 11:31:47
